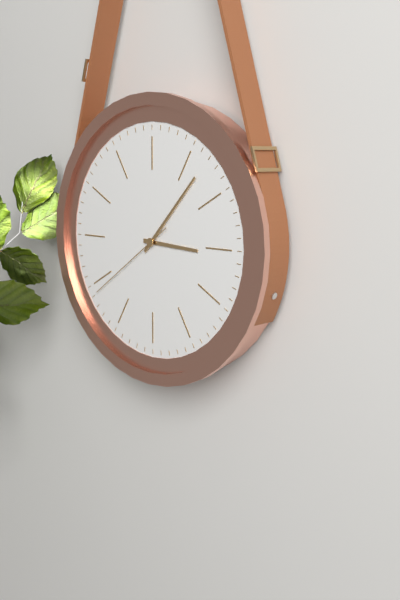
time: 3:07:39
